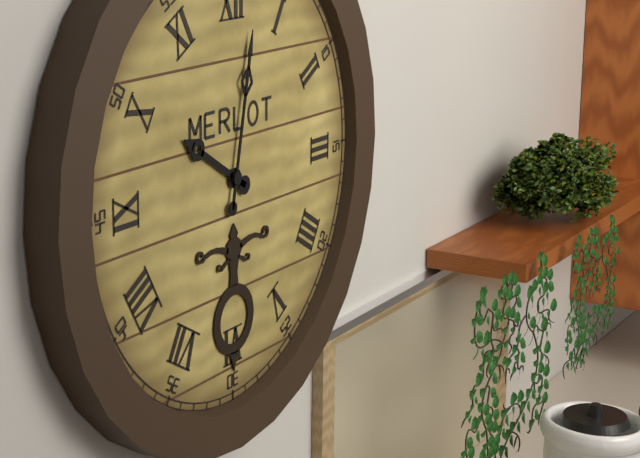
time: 10:02
